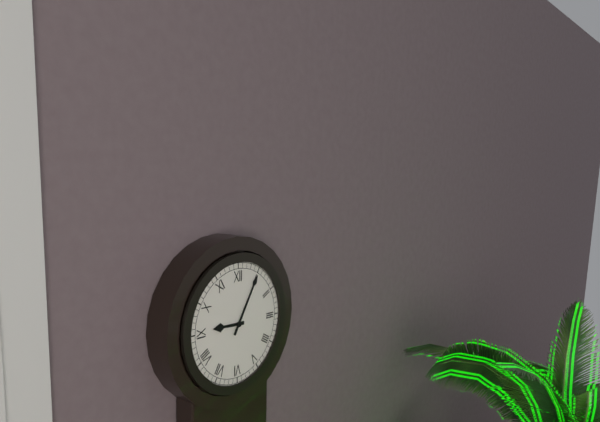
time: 9:05
